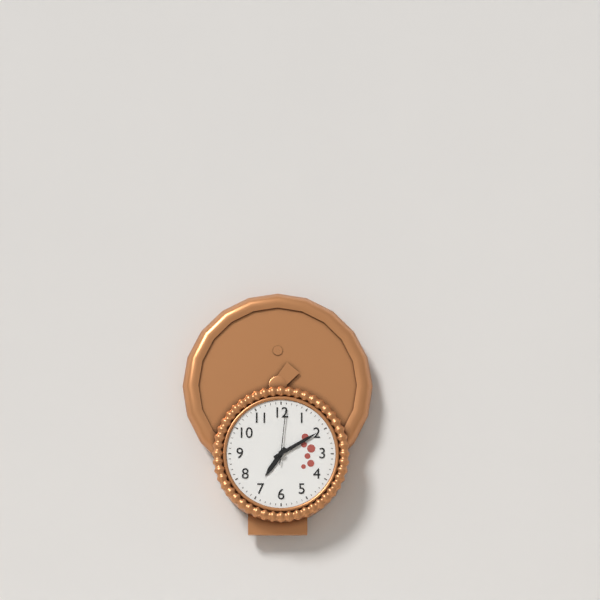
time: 7:10:01
